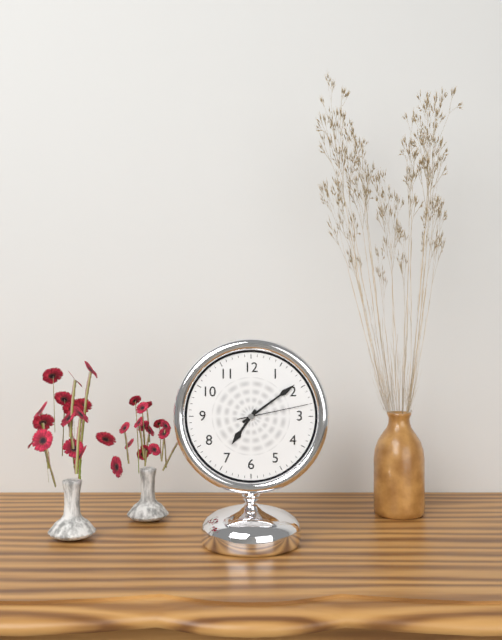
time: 7:09:13
